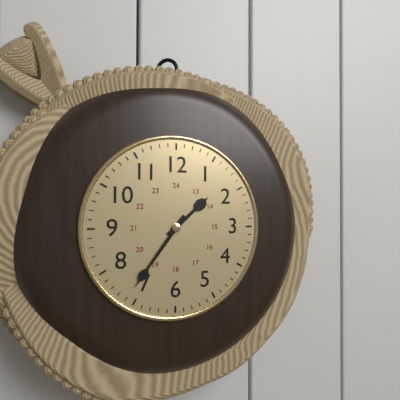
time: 1:36
